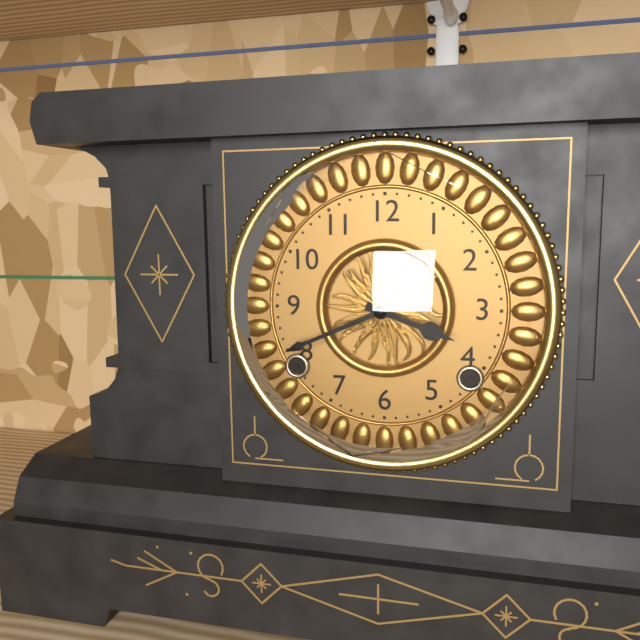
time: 3:41
